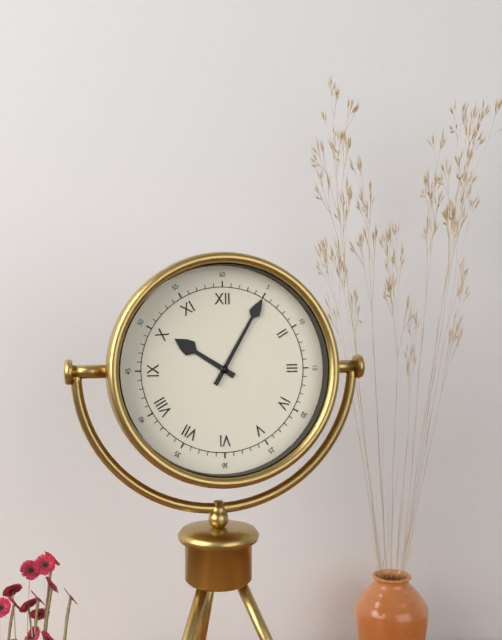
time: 10:05
